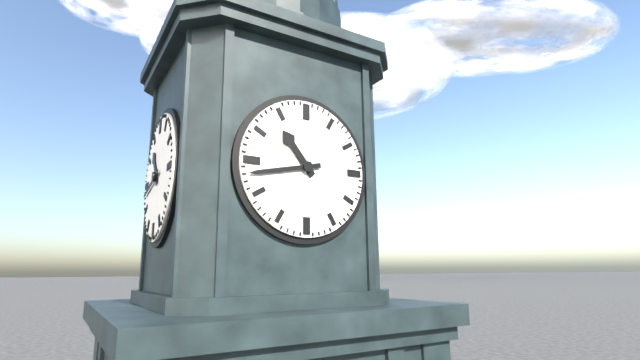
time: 10:43
